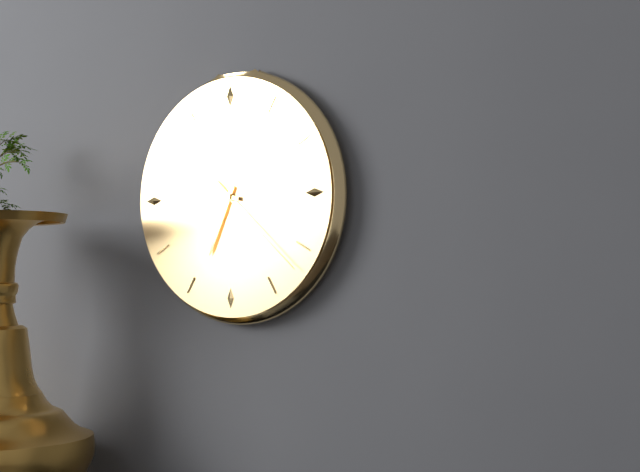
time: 6:47:22
